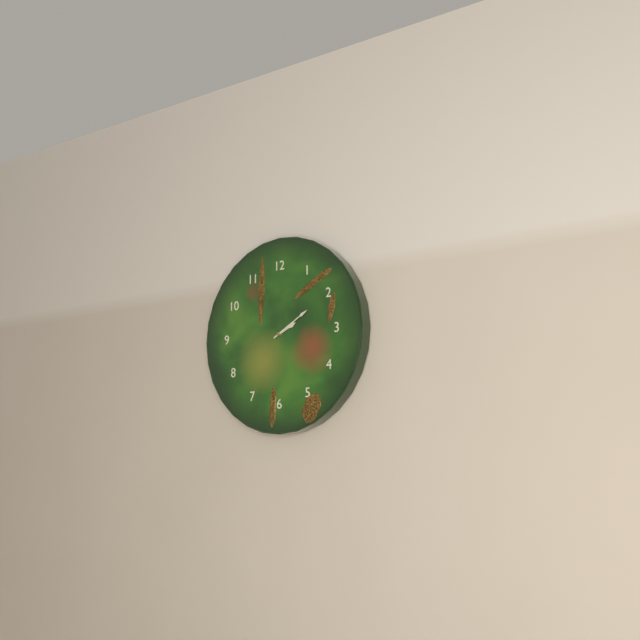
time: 2:10
